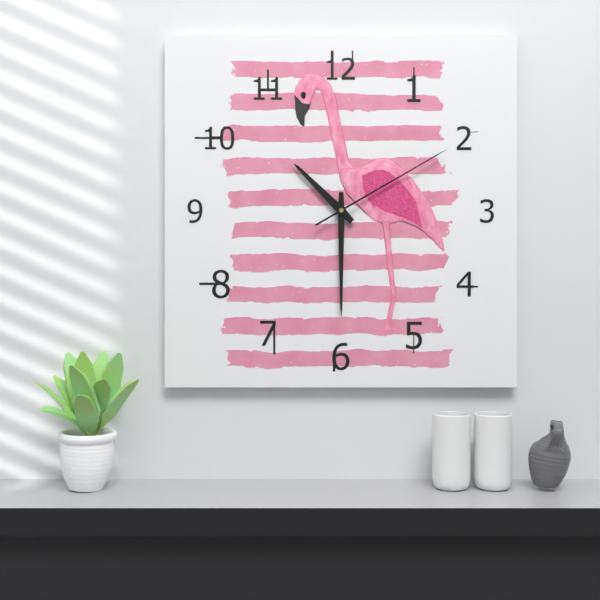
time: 10:30:10
